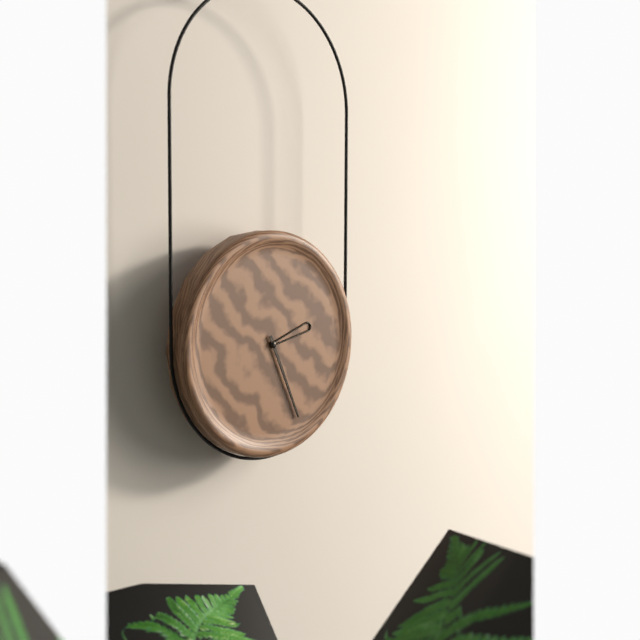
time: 2:26
